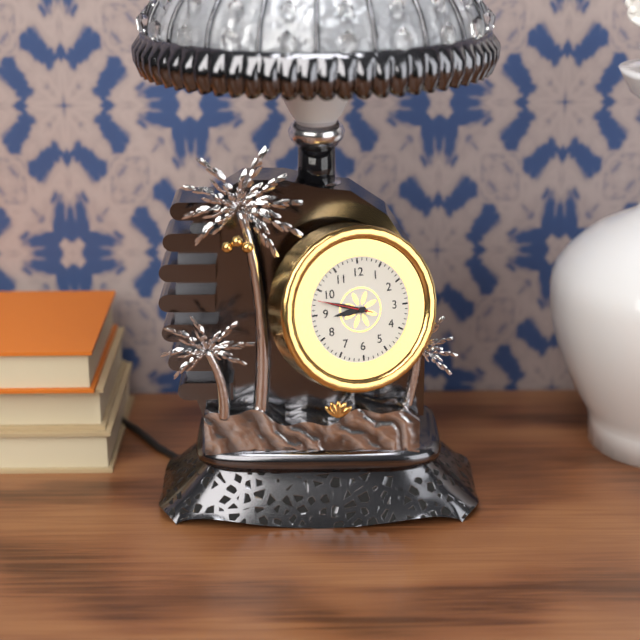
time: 8:48
